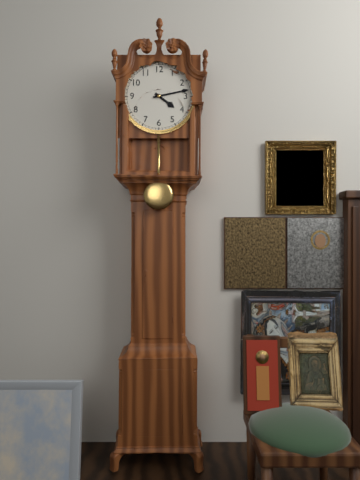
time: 4:13
